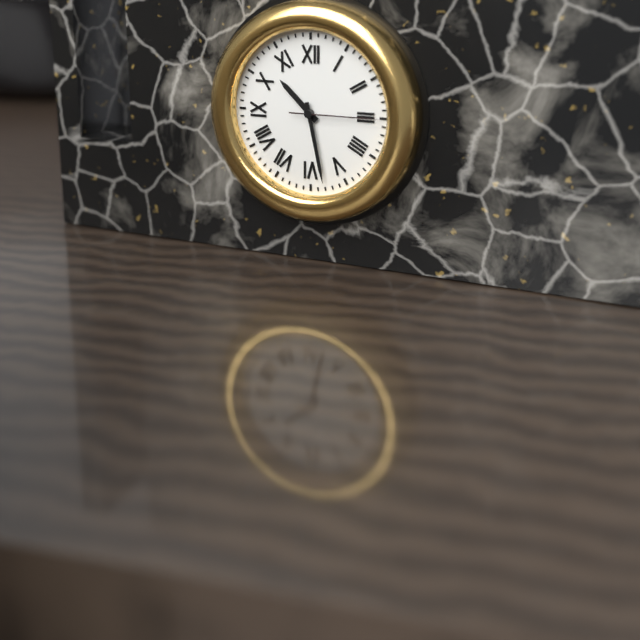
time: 10:28:15
